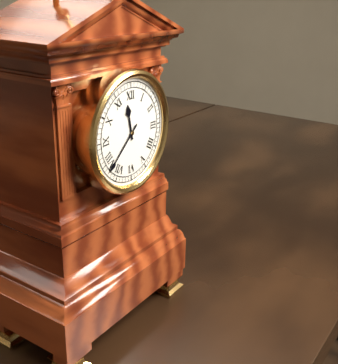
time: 11:38
